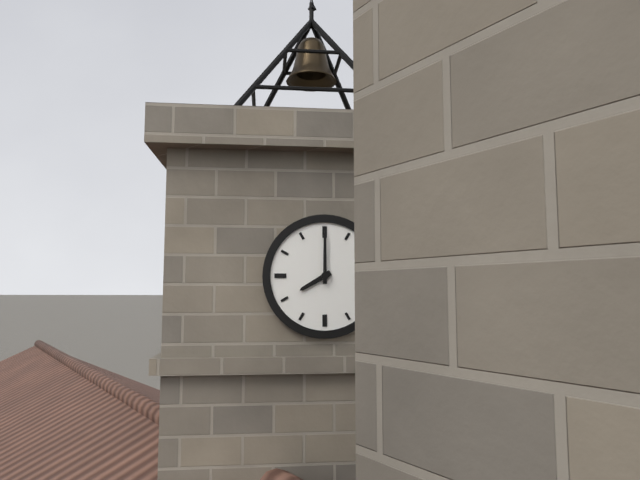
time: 8:00
